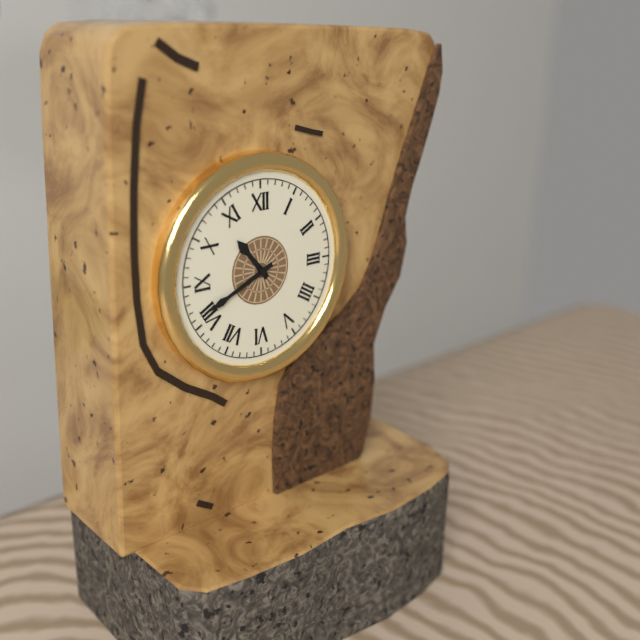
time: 10:41
